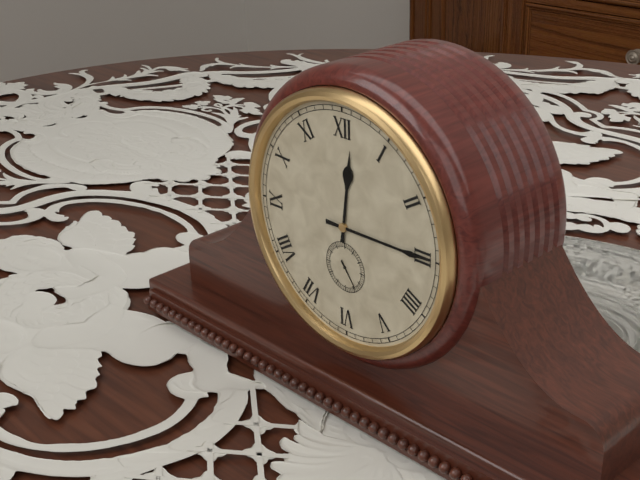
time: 12:15:24
